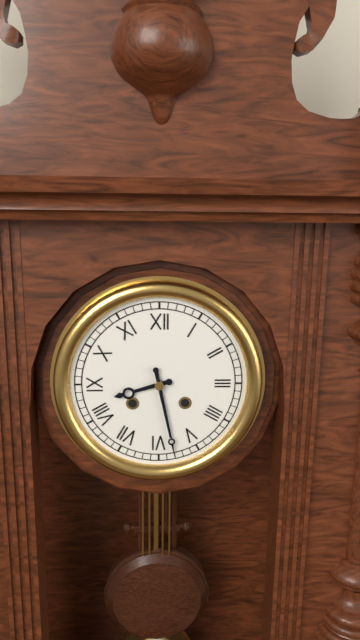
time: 8:28
